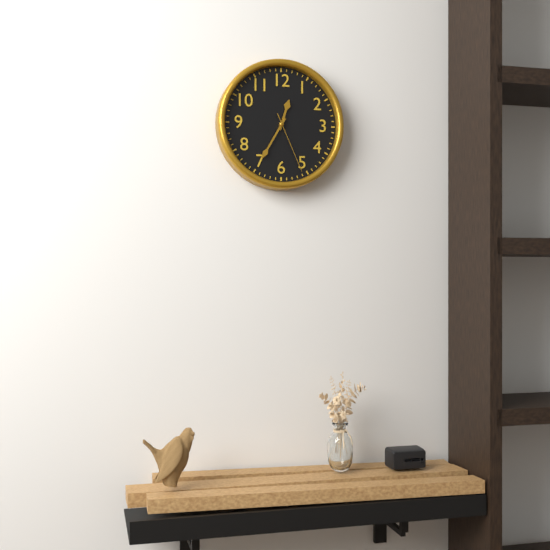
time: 12:35:26
